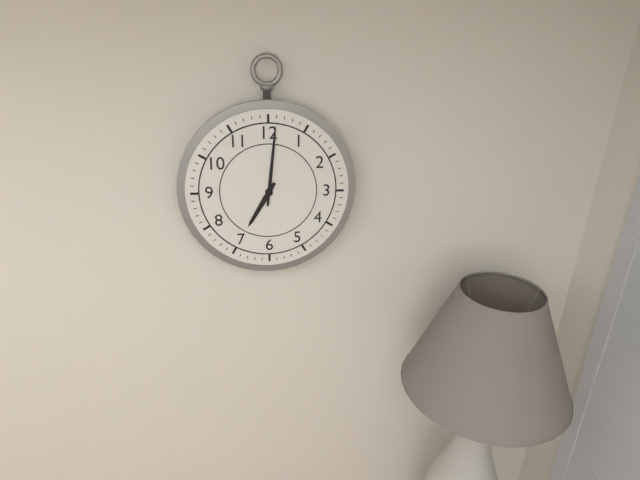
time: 7:01
